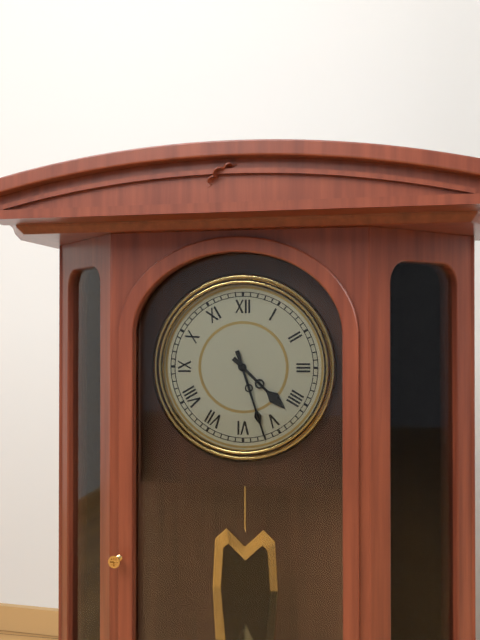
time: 4:27
